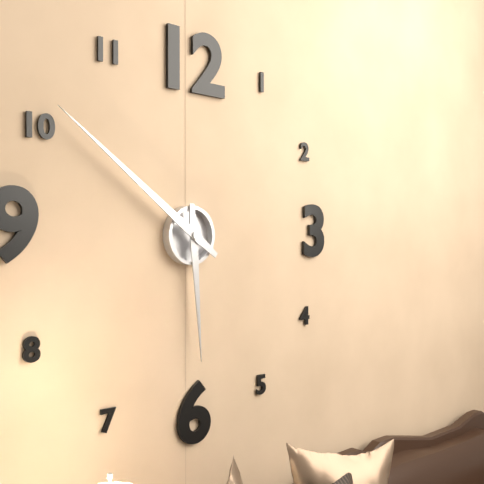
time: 5:51
